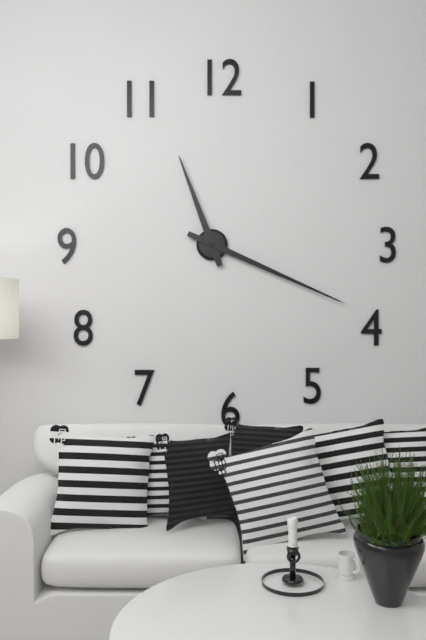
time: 11:19
